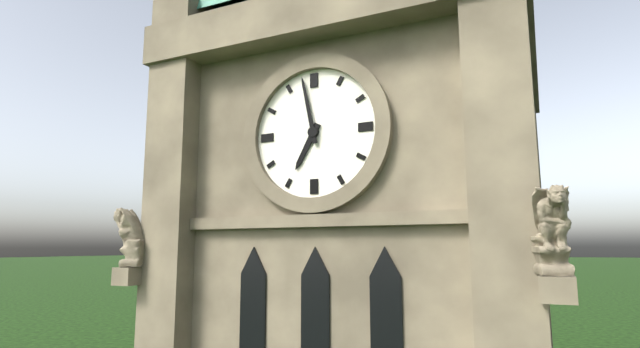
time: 6:58
